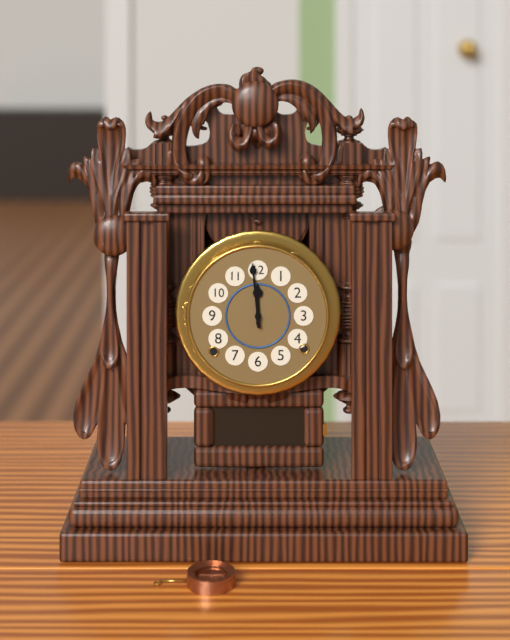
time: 11:59
